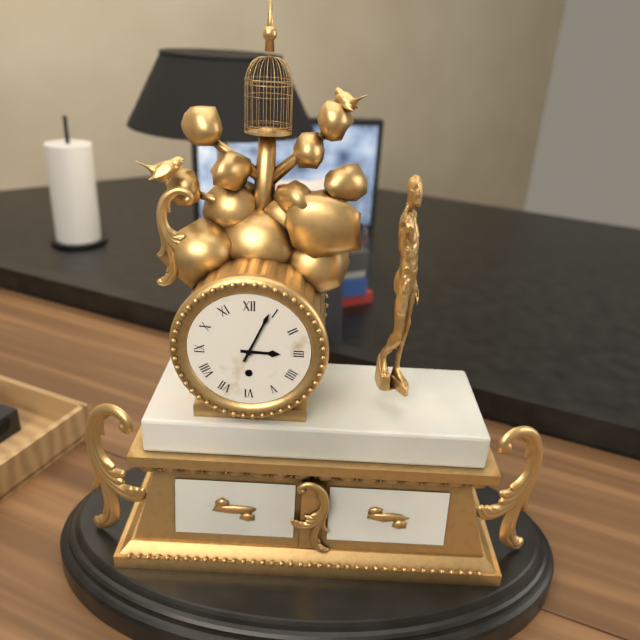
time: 3:04
